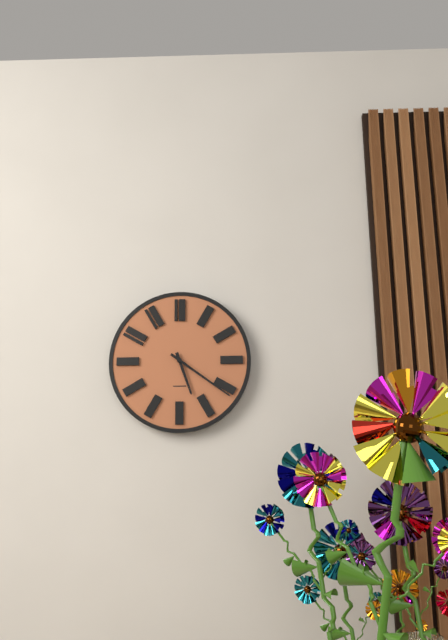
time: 5:21
